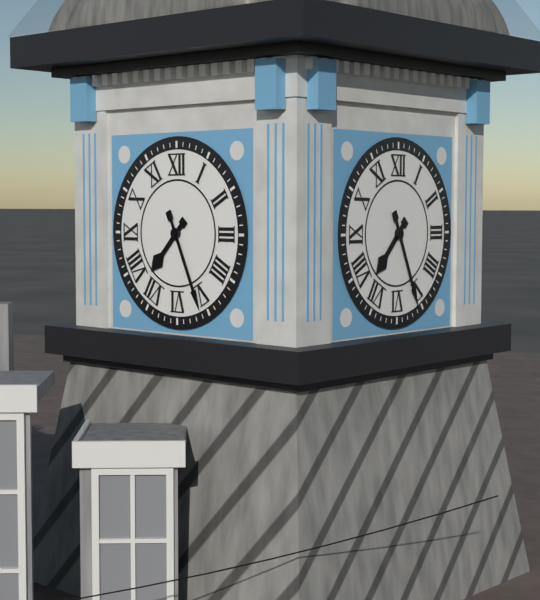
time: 7:26
